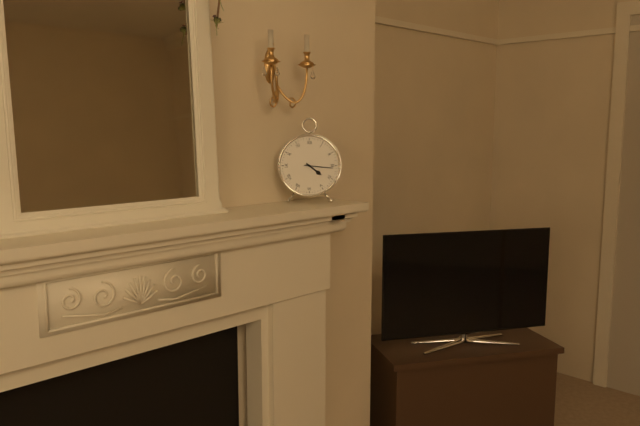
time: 4:16
